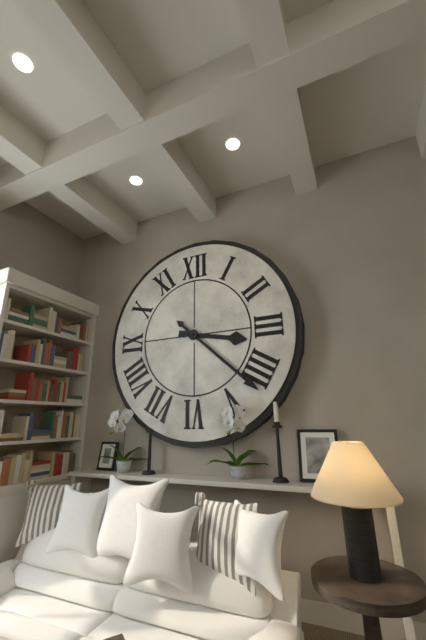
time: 3:22
